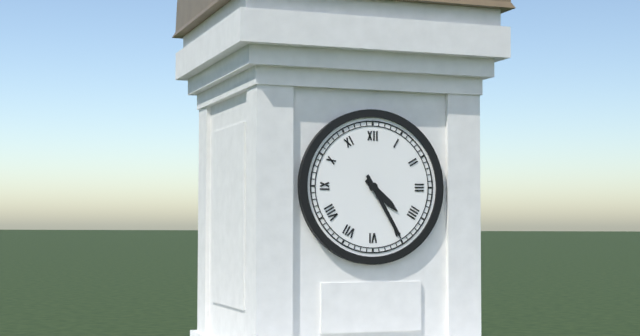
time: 4:25
